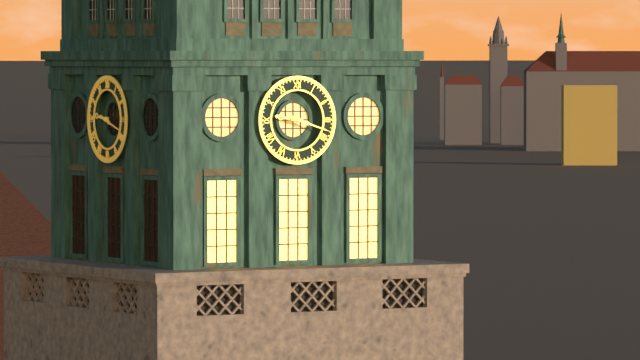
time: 9:18
